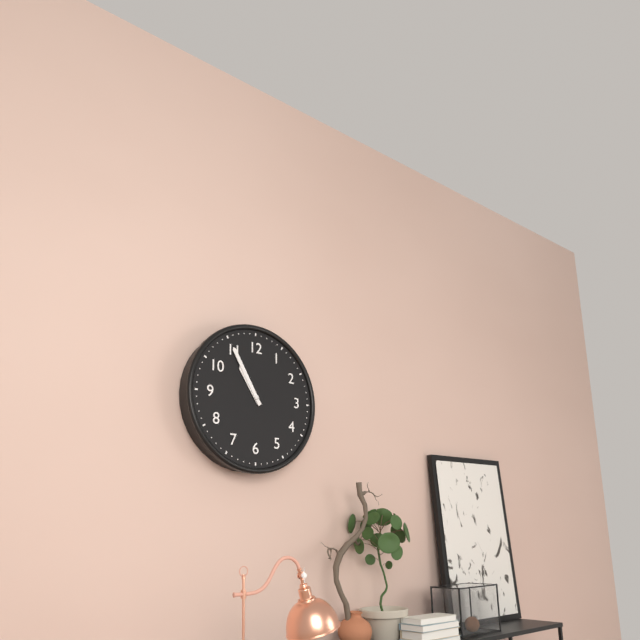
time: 10:55
